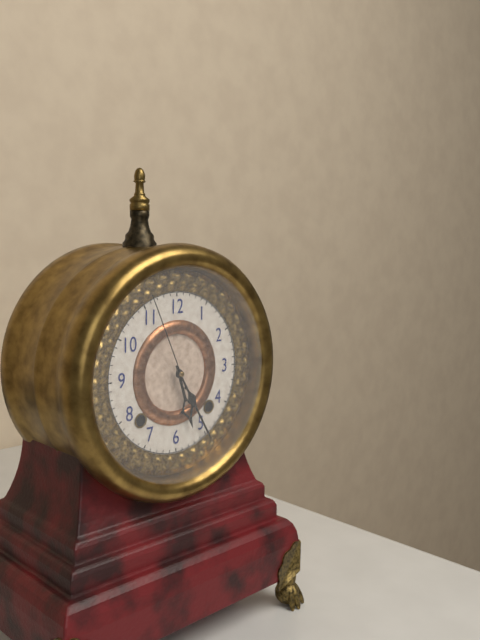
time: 5:25:56
